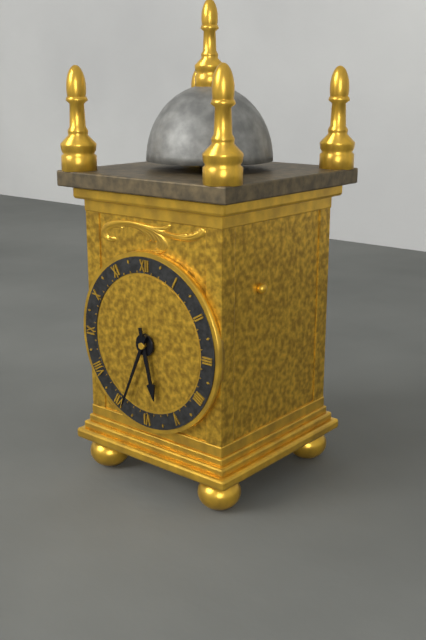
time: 5:34
